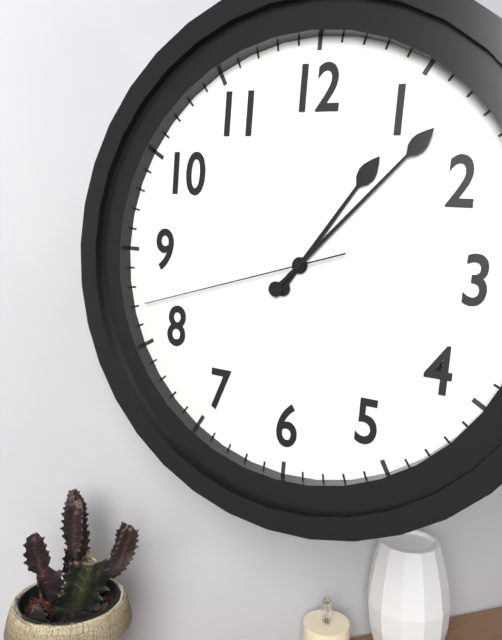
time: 1:07:42
